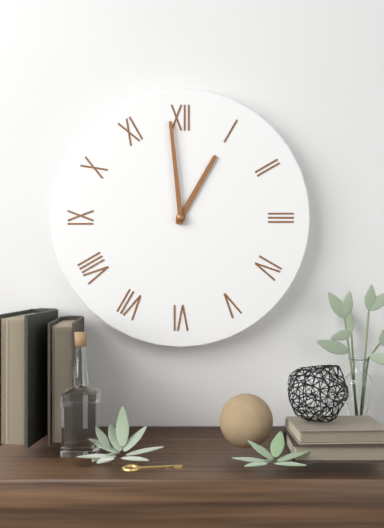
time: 12:59
